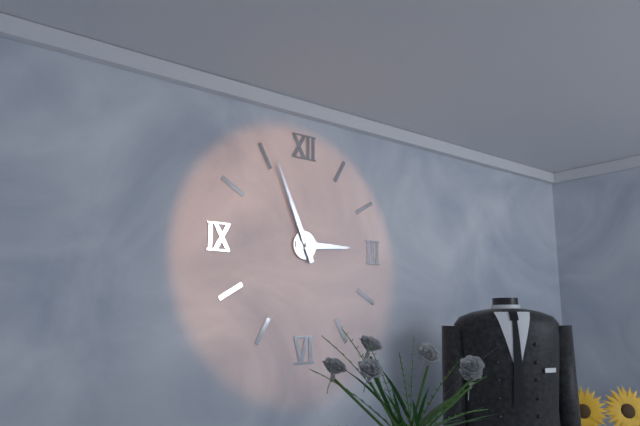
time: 2:56
